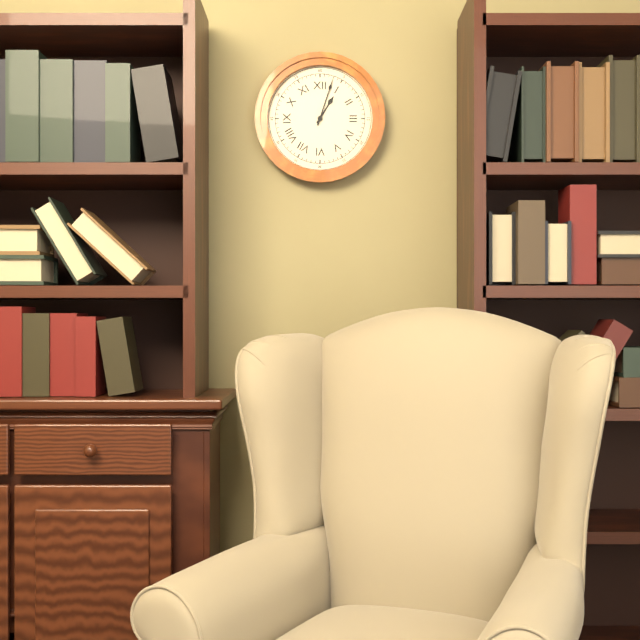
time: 1:03
